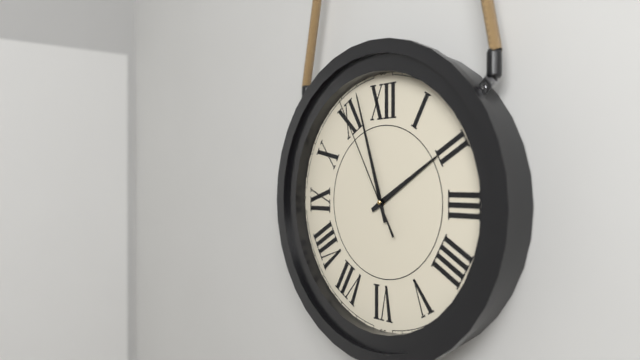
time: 1:57:55
